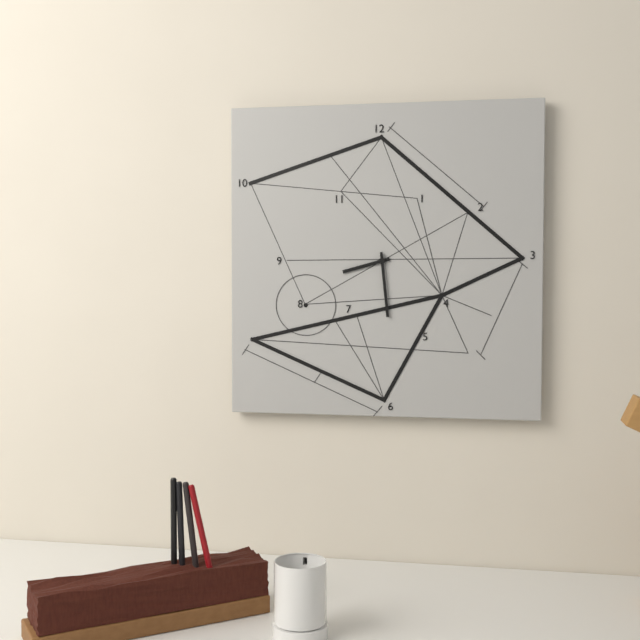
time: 8:29
